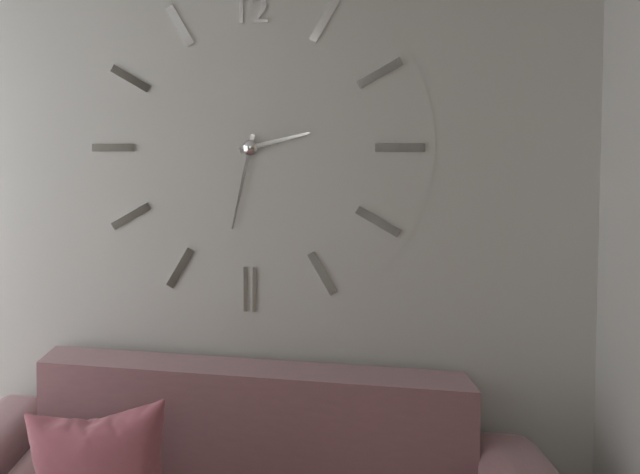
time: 2:32
